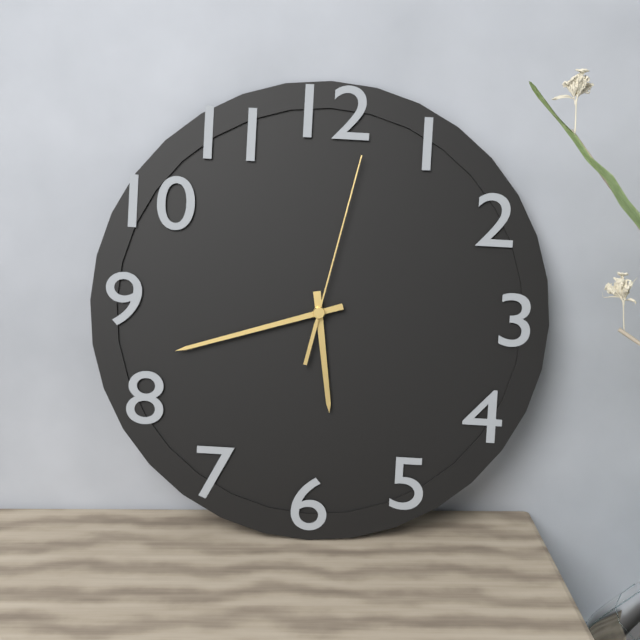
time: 5:42:02
